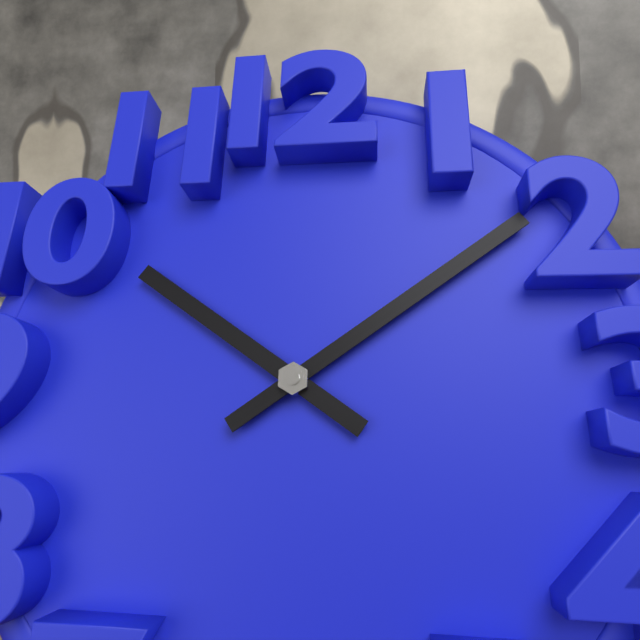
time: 10:09
